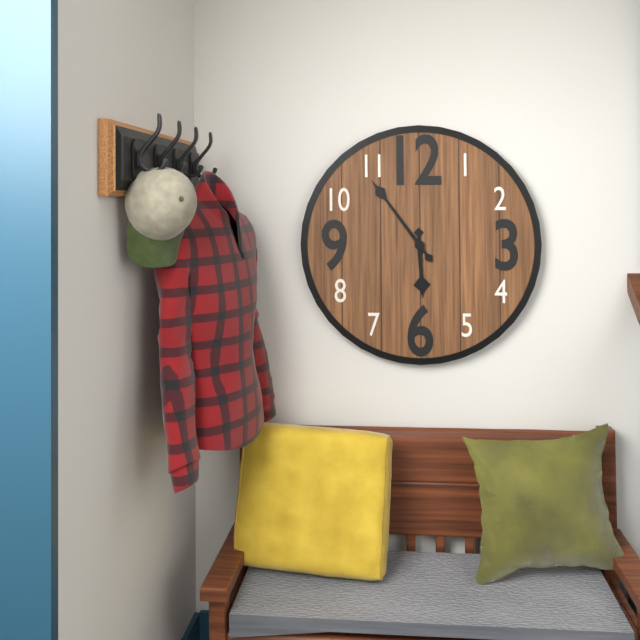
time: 5:54
